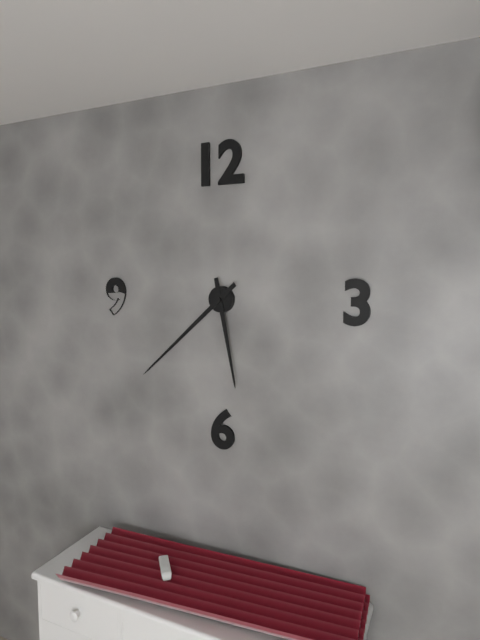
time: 5:38
